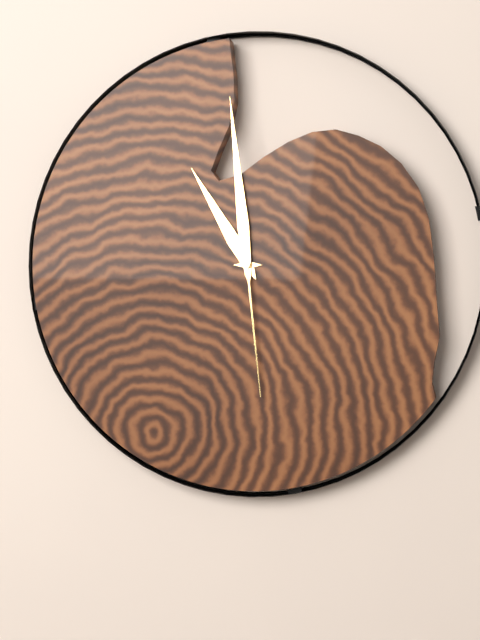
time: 10:59:29
